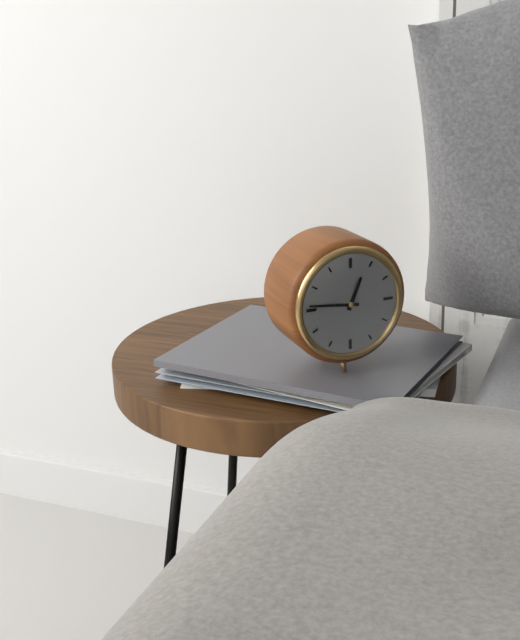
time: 12:46
